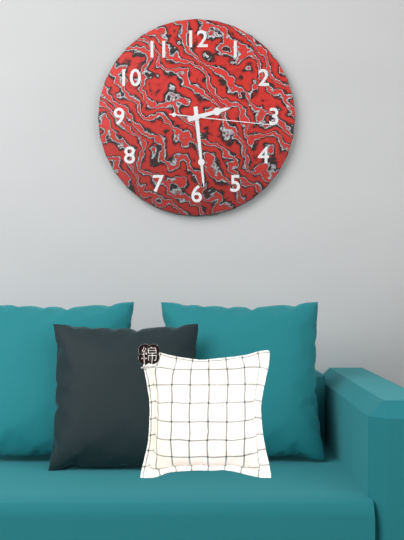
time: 2:29:16
